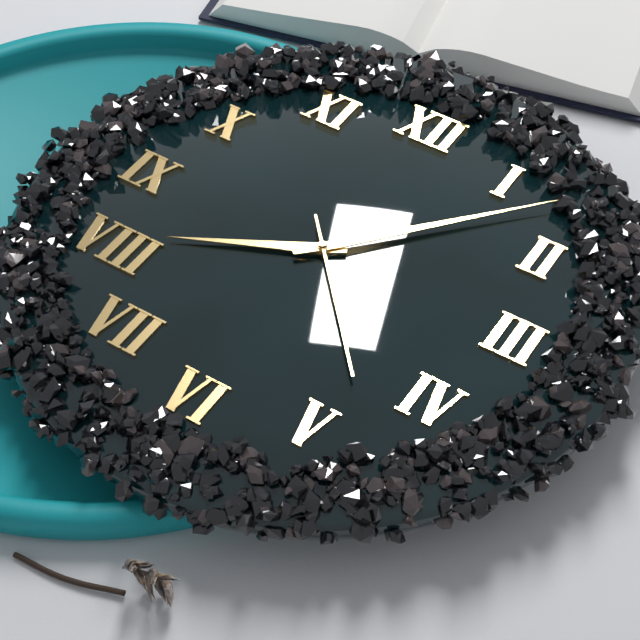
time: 8:07:23
